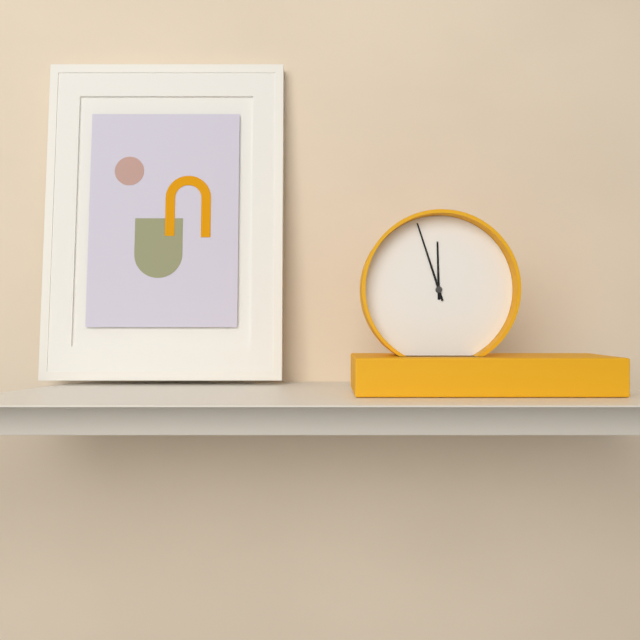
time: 11:57
